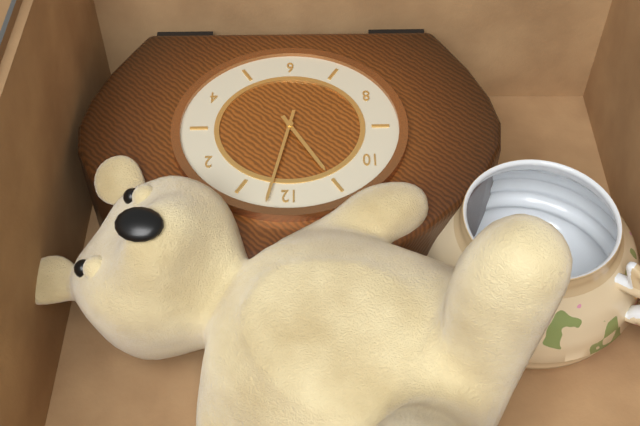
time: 11:02
